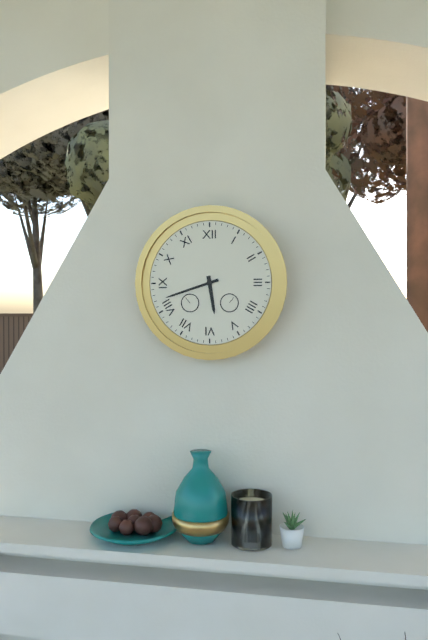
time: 5:42
